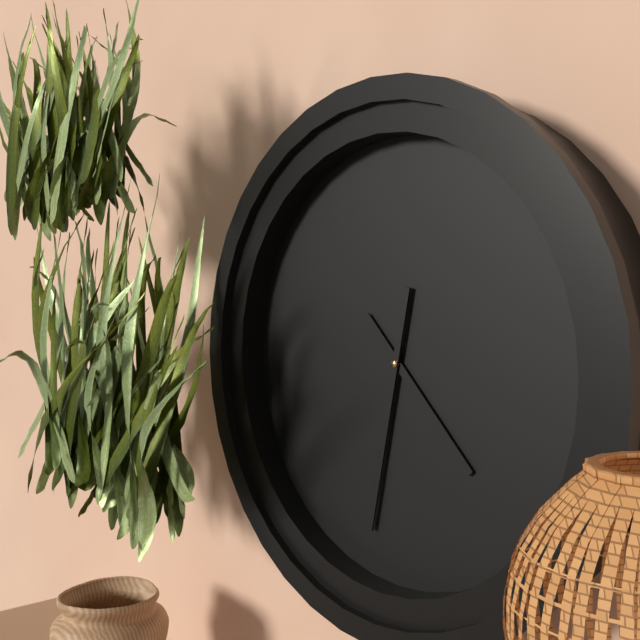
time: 4:32
